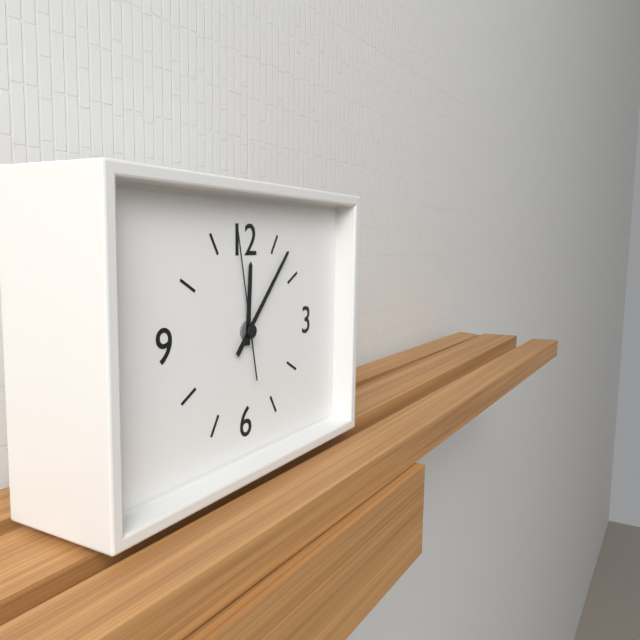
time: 12:07:58
